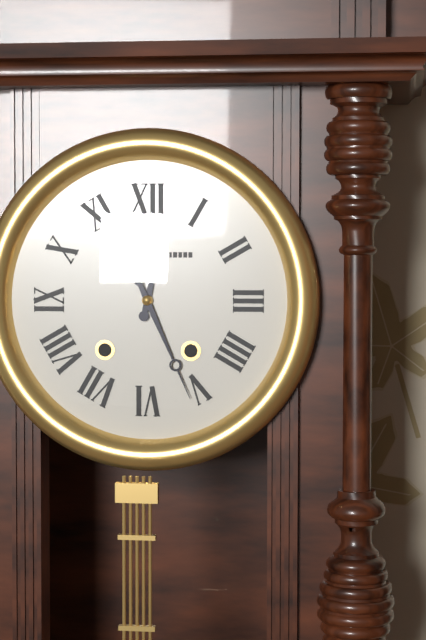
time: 12:26
